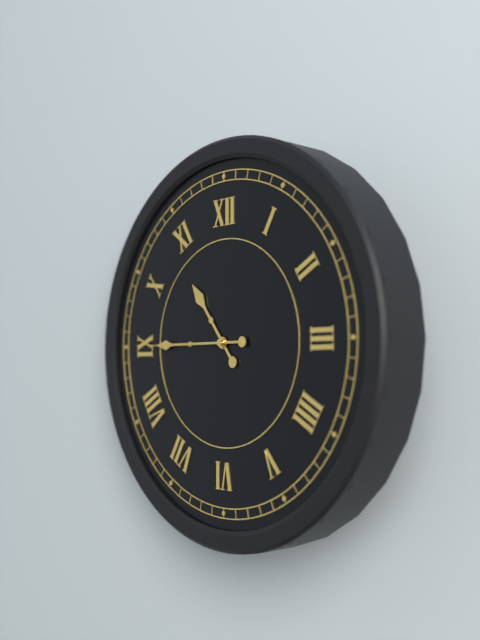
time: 10:45:45
